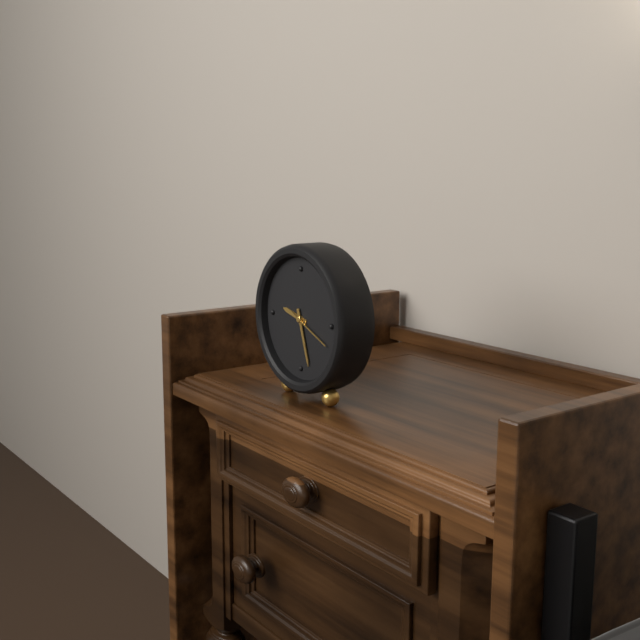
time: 9:27
